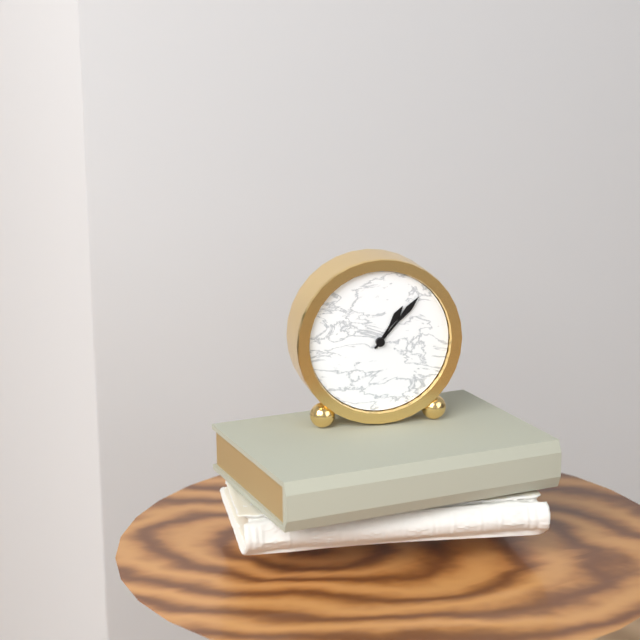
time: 1:07
